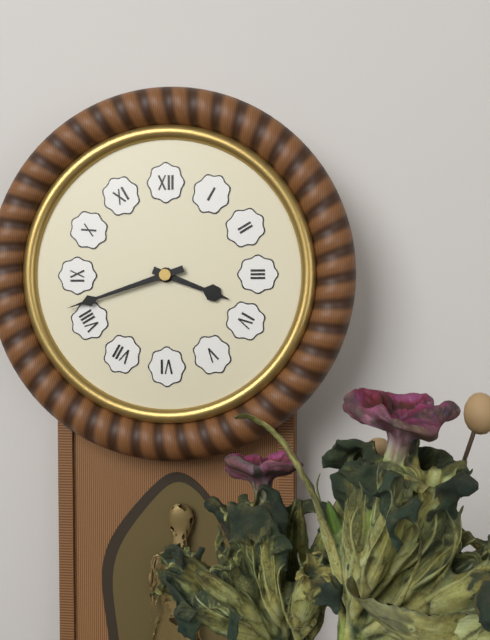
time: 3:42
